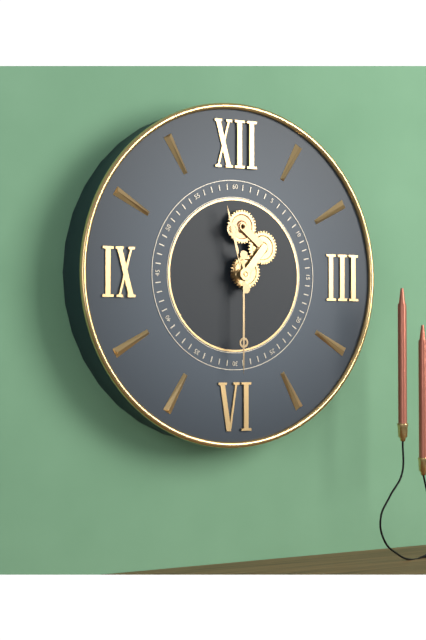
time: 11:30
